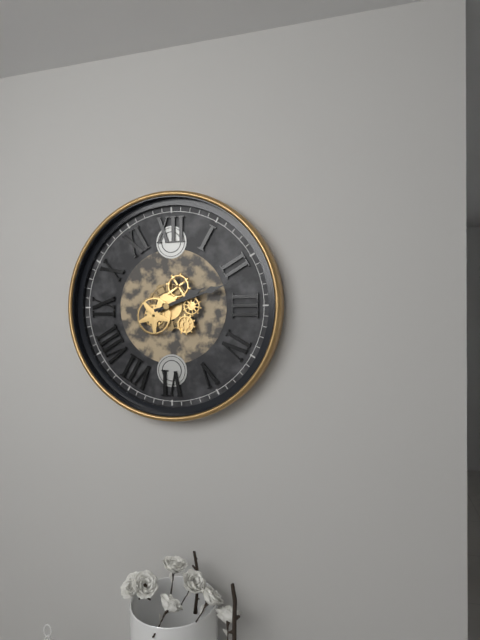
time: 2:12
